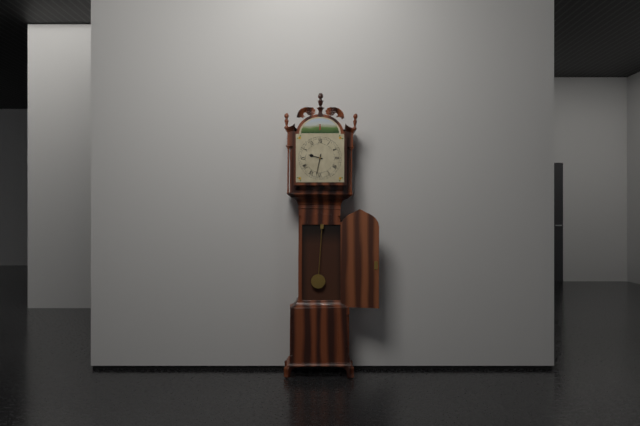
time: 9:32
